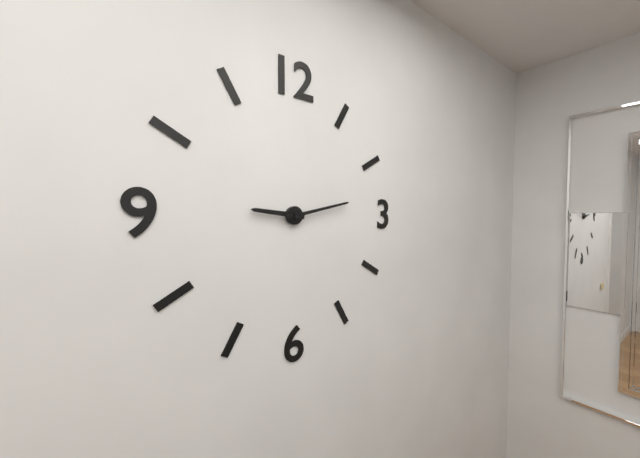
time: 9:13
